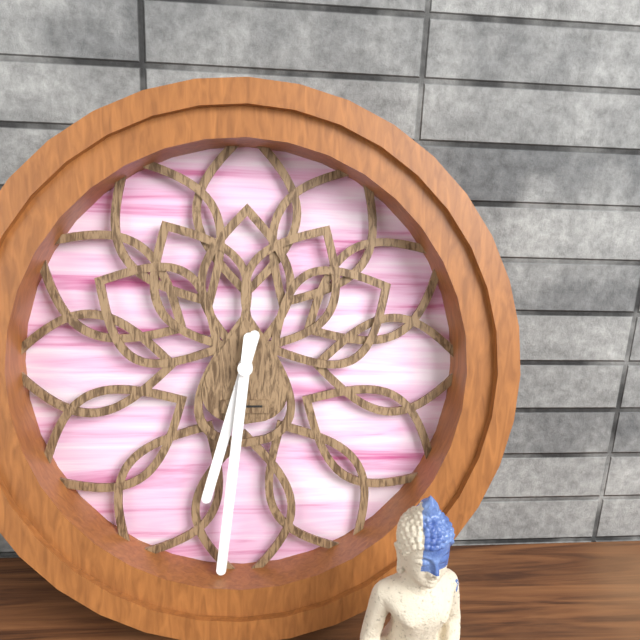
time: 6:31
